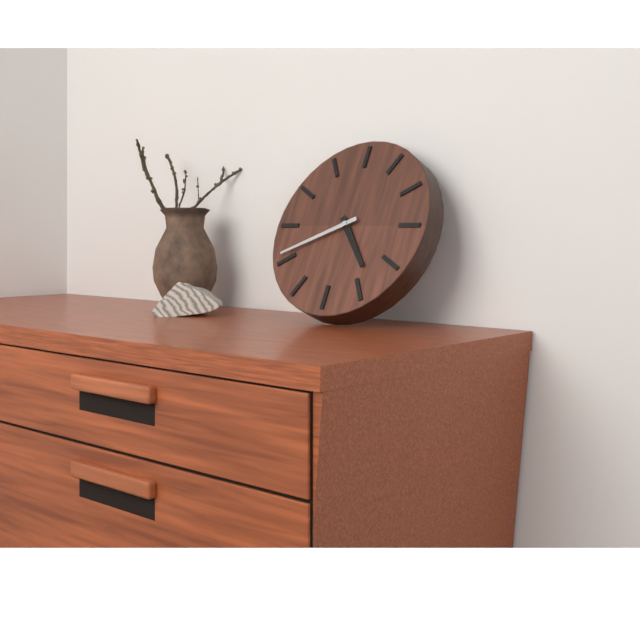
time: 4:41
